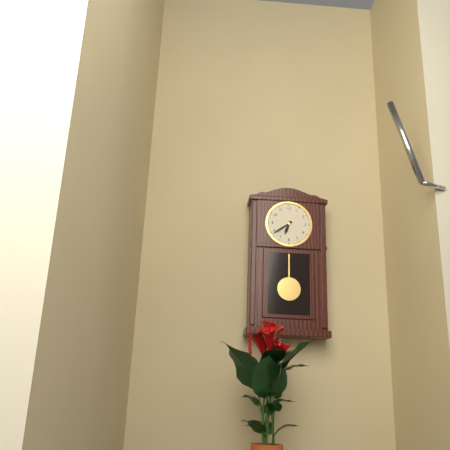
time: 6:39
